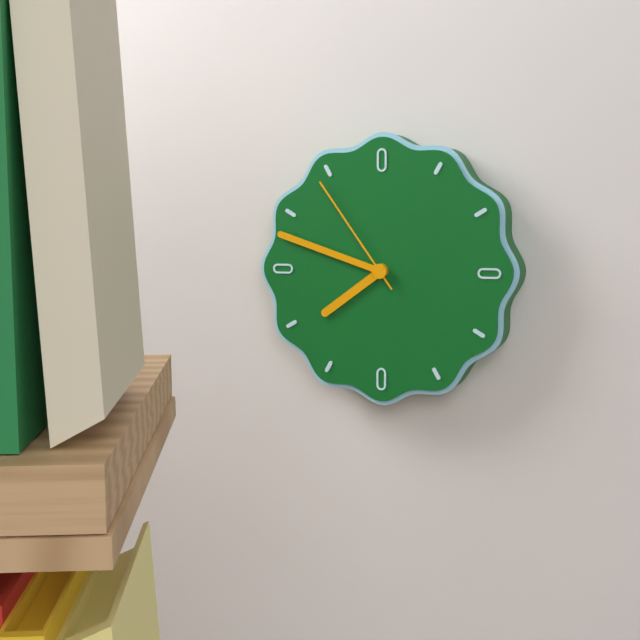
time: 7:48:54
